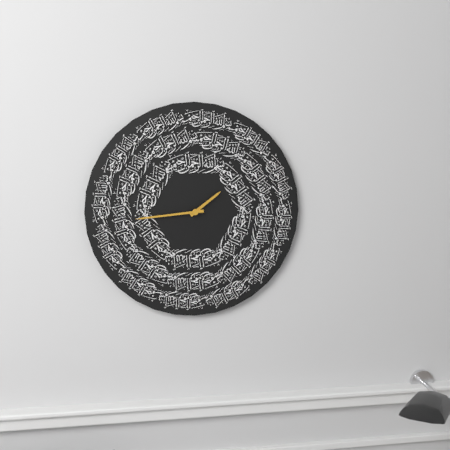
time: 1:44
